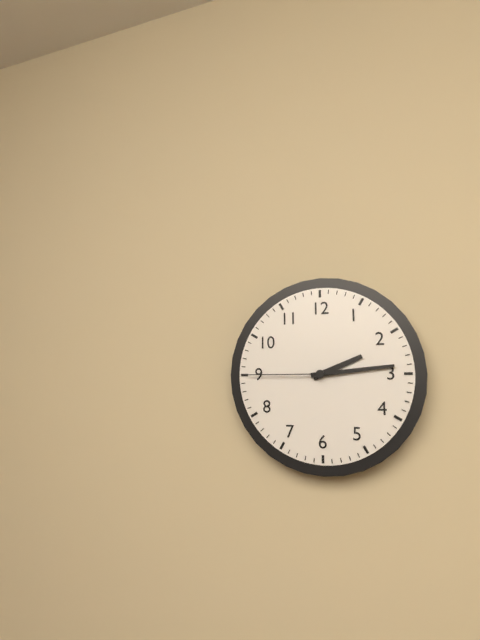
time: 2:14:45
